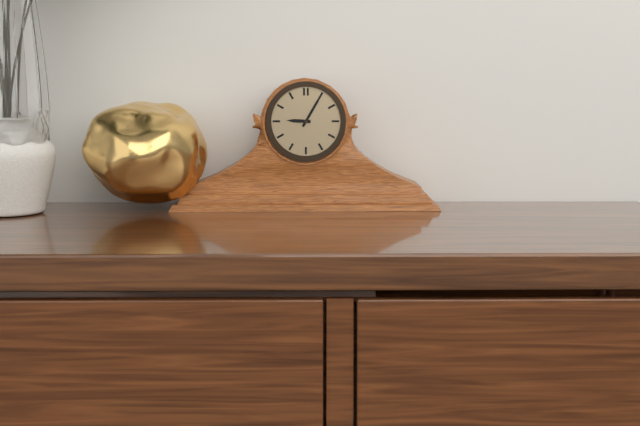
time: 9:05
